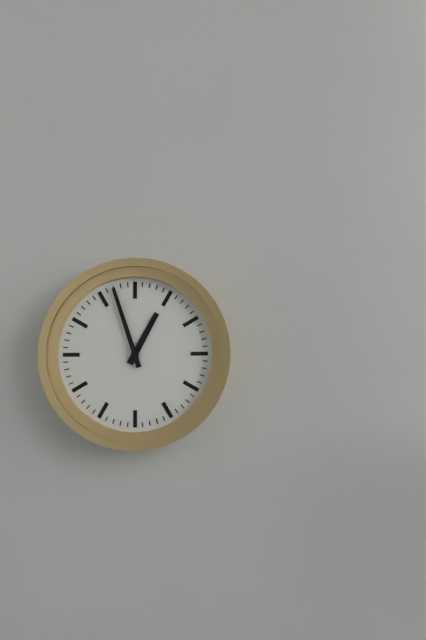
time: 12:57
